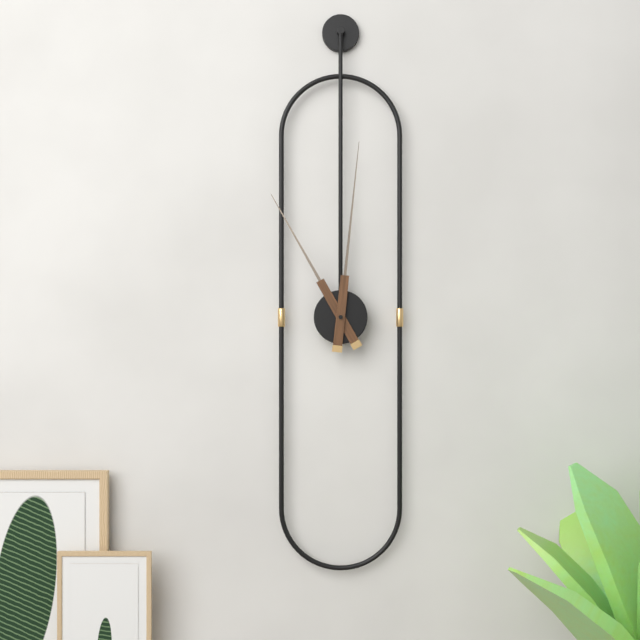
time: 11:01
